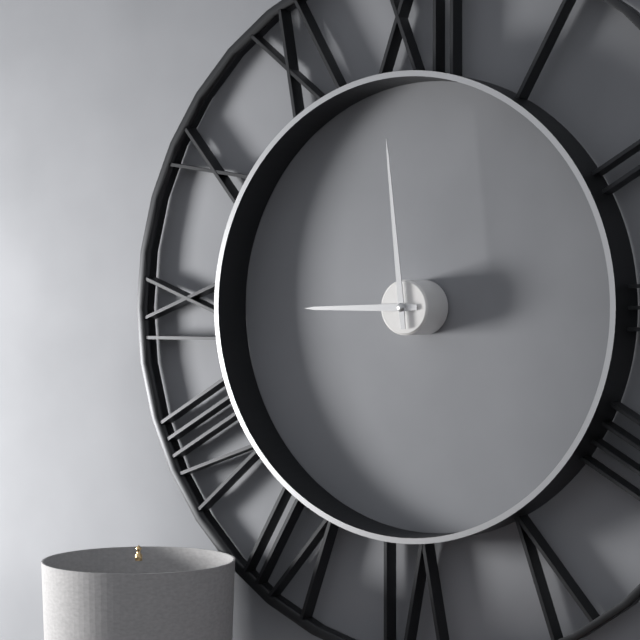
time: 8:59
